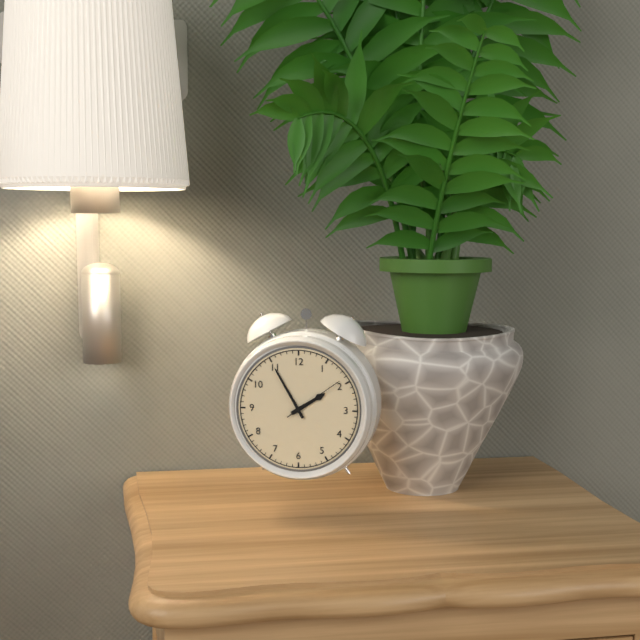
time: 1:55:09
